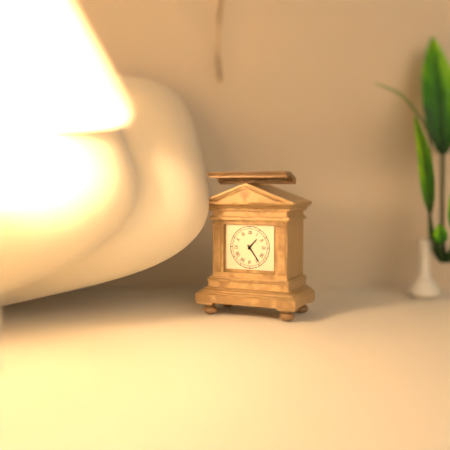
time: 1:24
